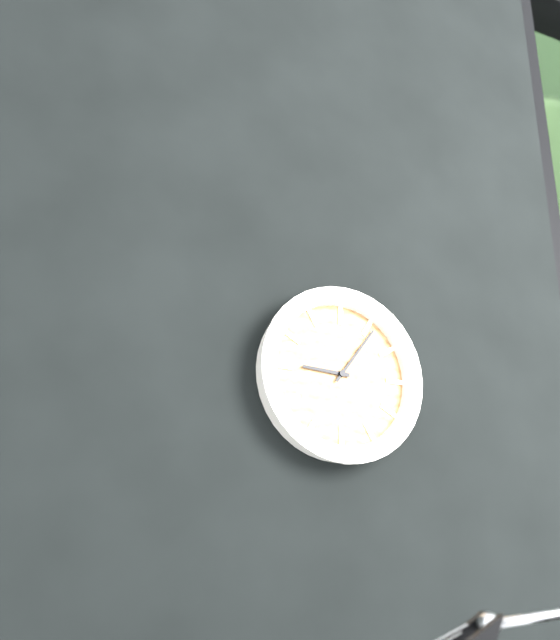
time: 9:06
